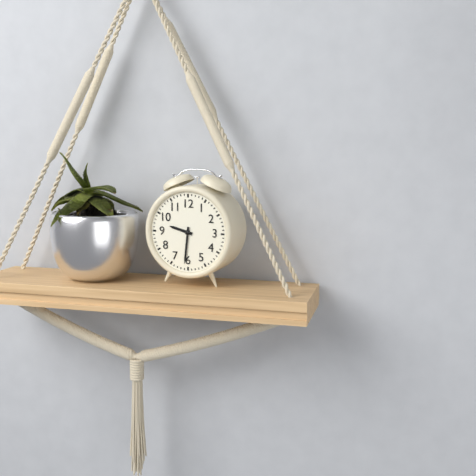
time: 9:31
